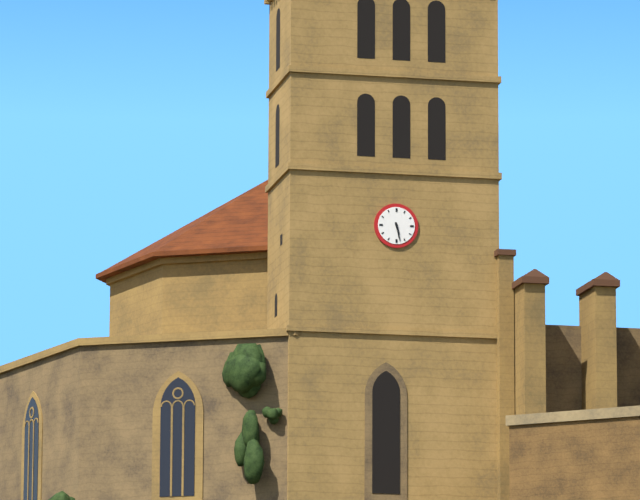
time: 5:28
